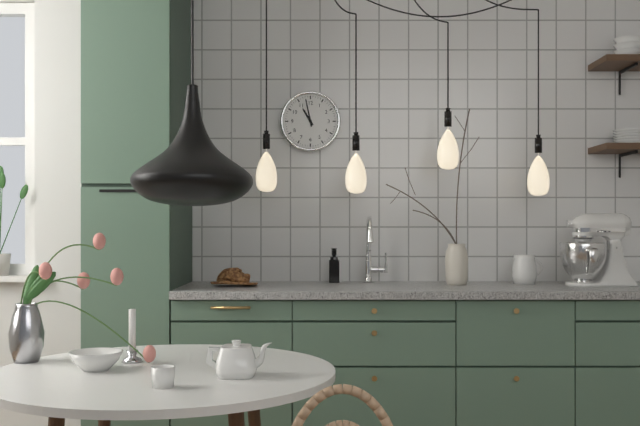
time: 10:58
